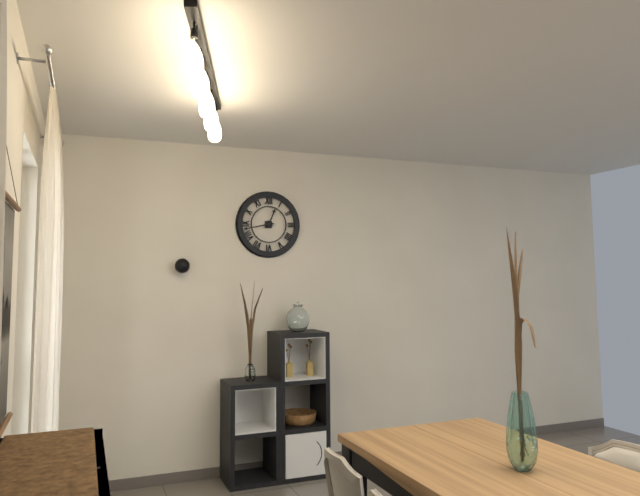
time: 12:43
